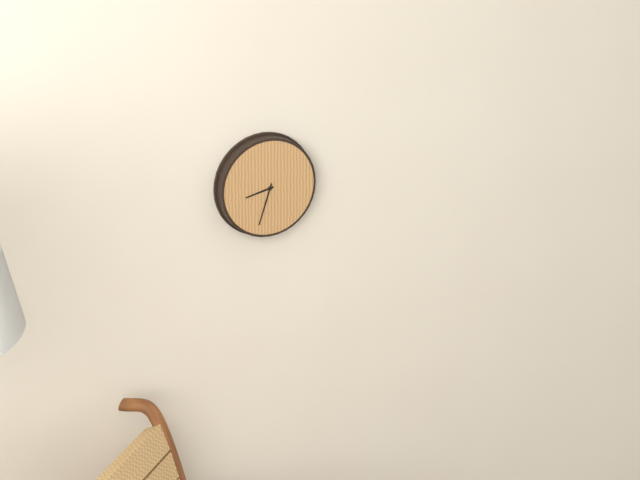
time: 8:33
